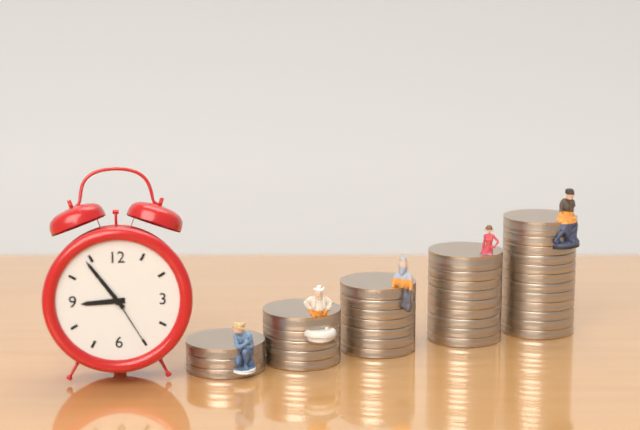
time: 8:54:25
